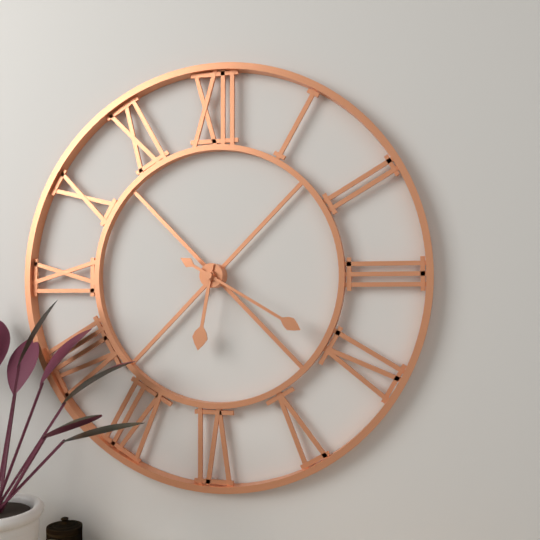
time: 6:20
